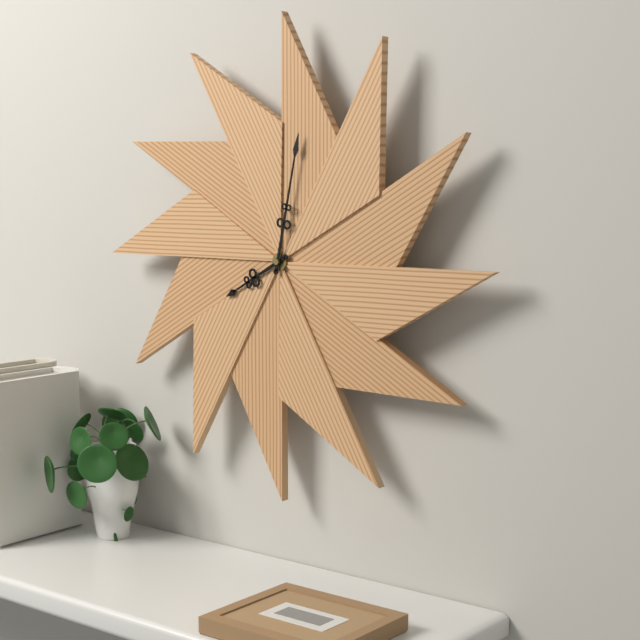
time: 8:02
